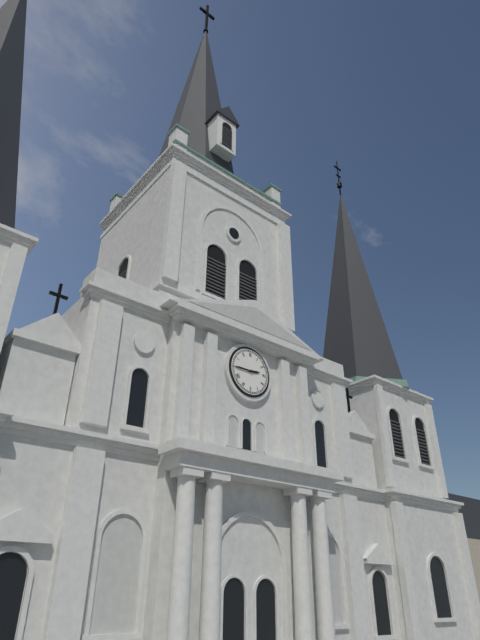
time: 2:45
